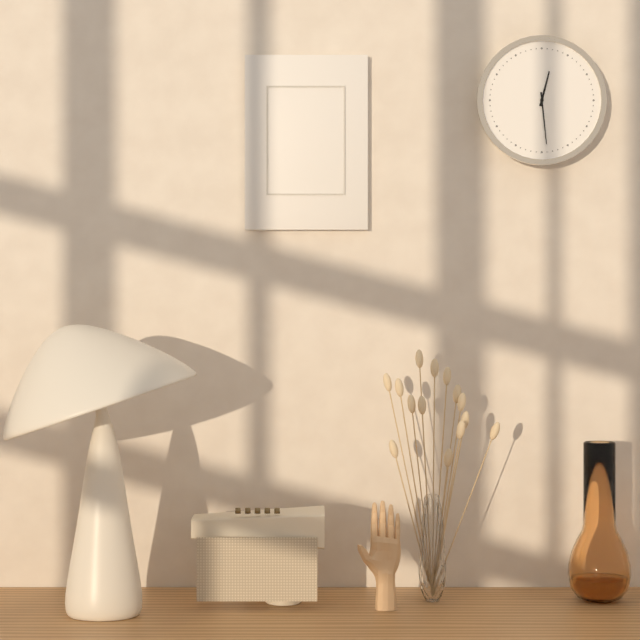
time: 12:29
